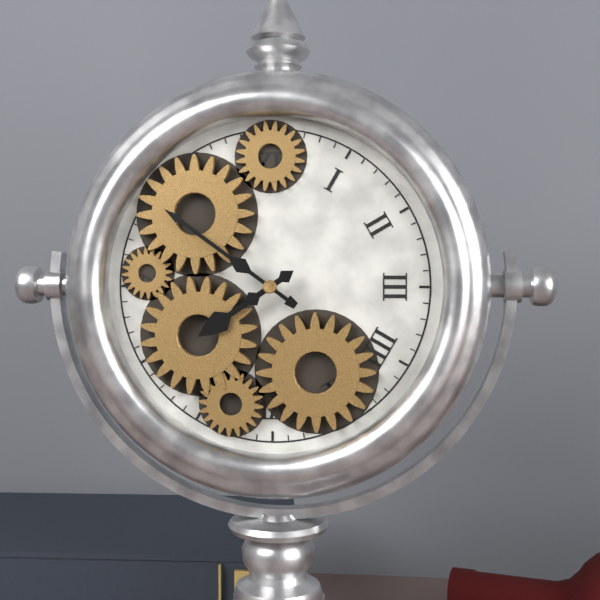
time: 7:51
